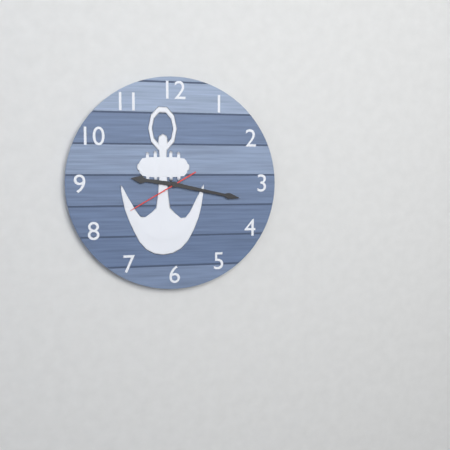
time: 9:17:40
